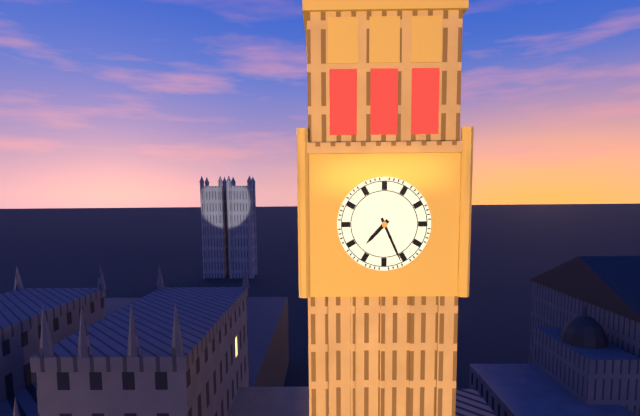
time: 7:26
